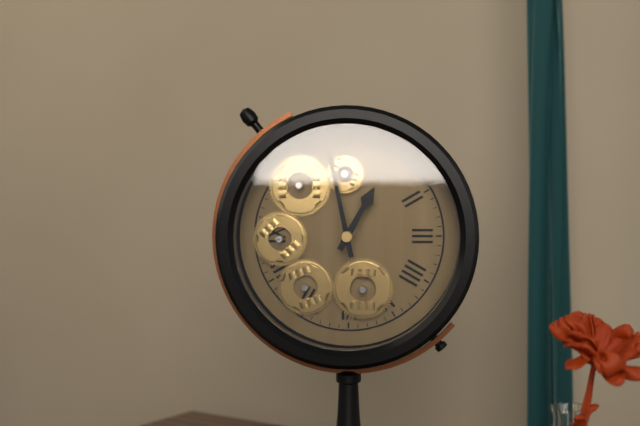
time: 12:58
